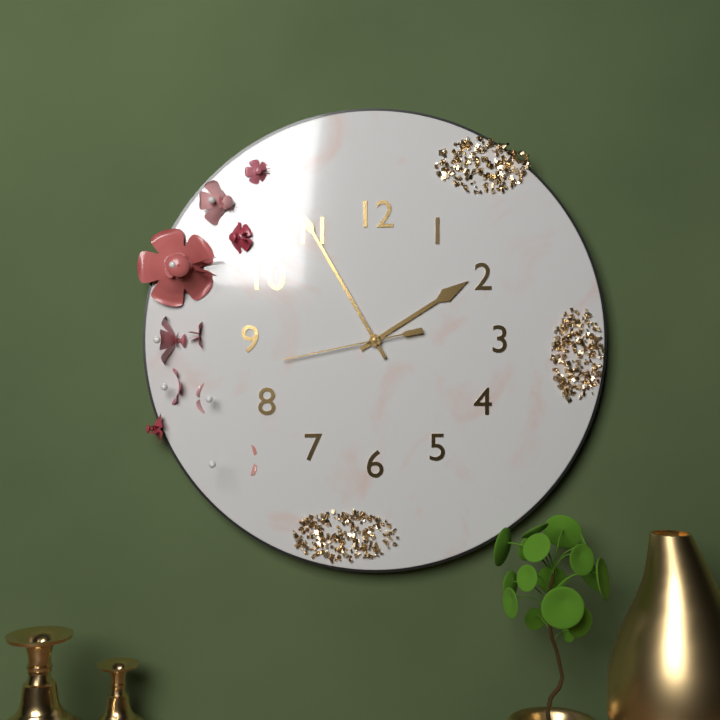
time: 1:55:43
